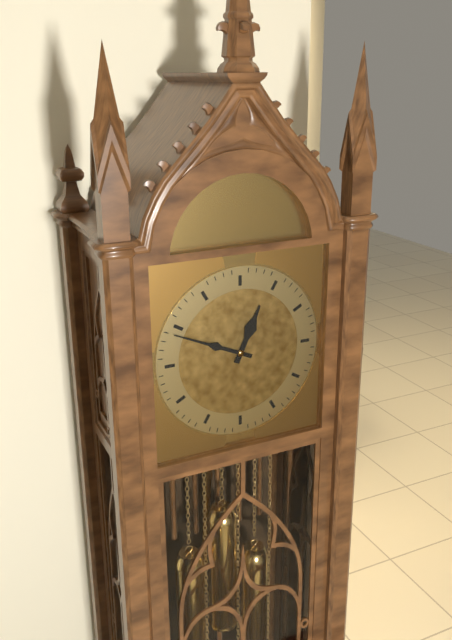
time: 12:49
